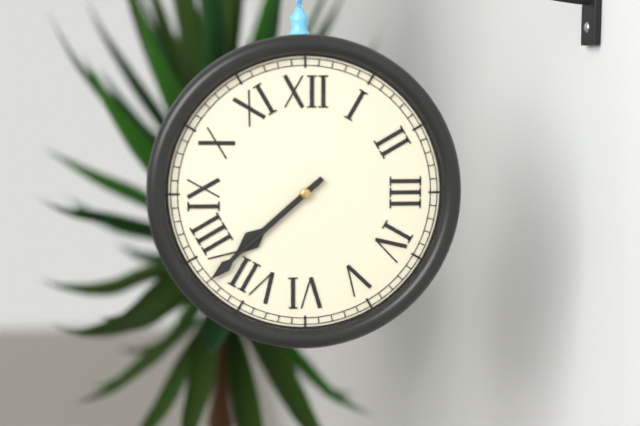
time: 7:38
